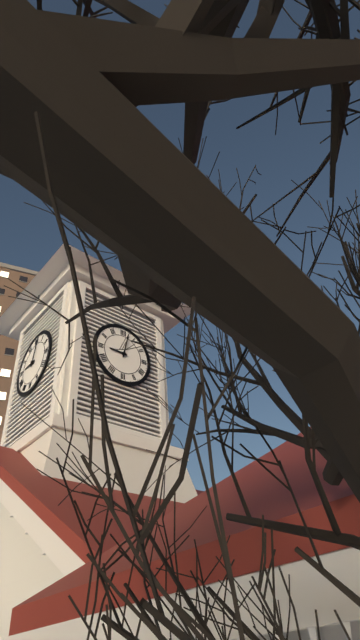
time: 9:02
